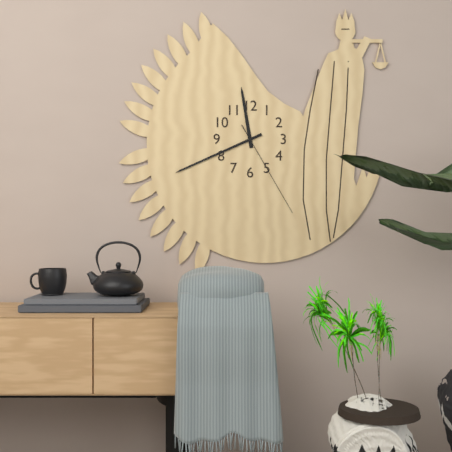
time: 11:41:25
